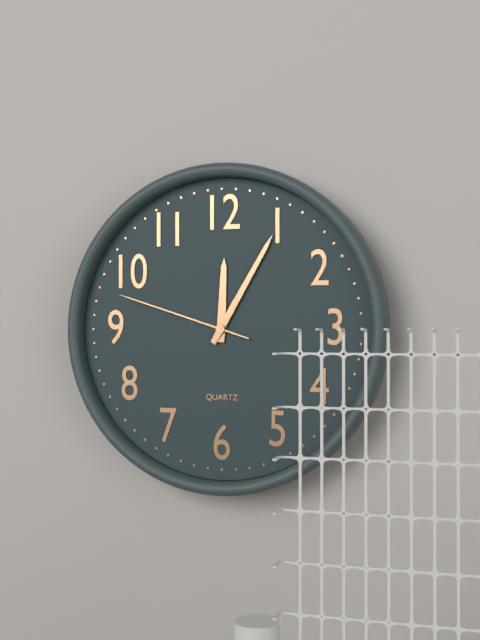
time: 12:05:48
